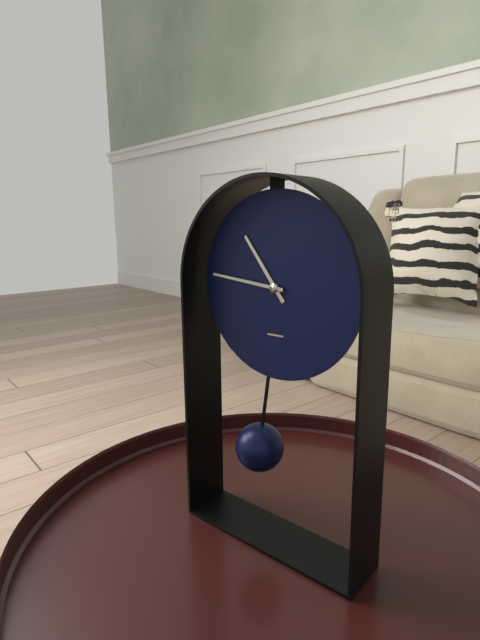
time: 10:46
